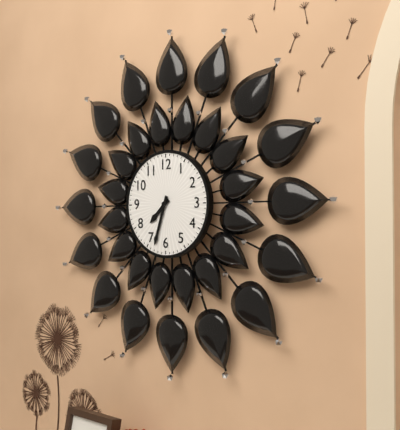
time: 7:33
